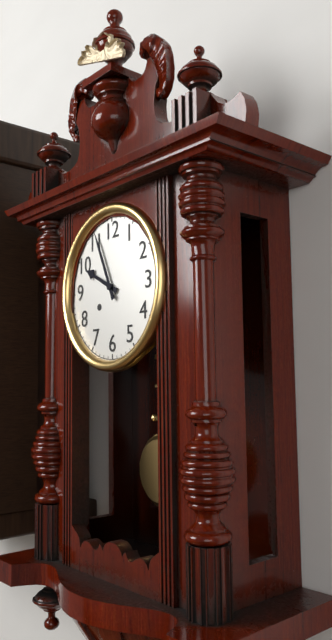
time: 9:56
